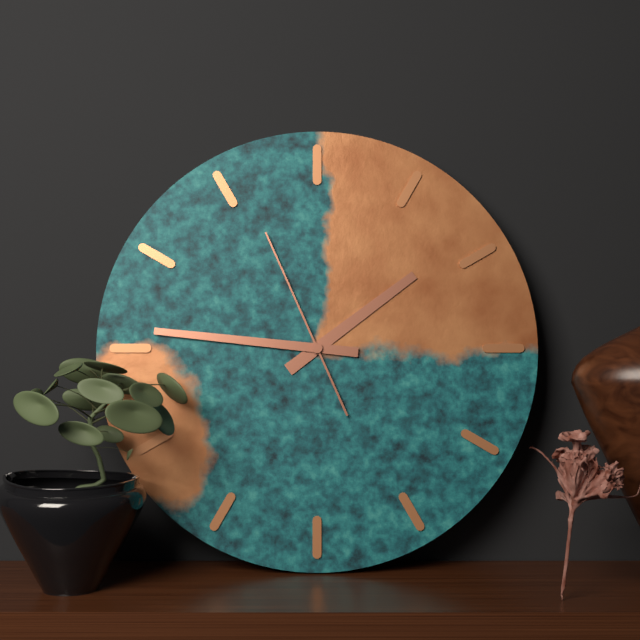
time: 1:46:56
